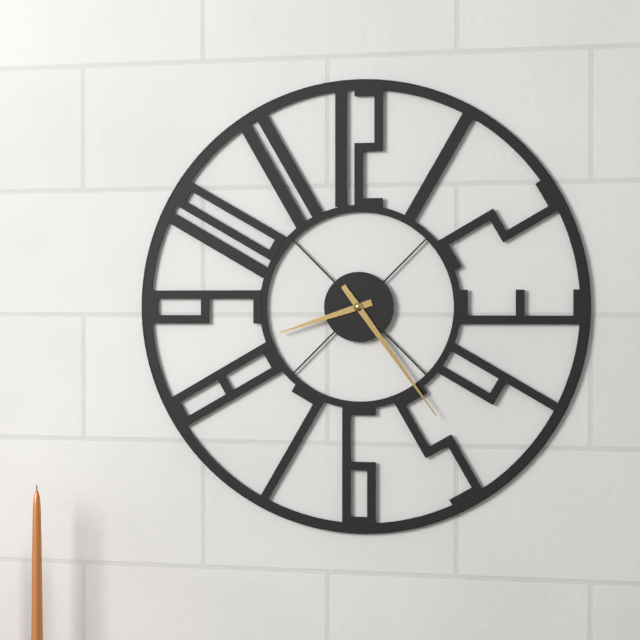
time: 8:24
